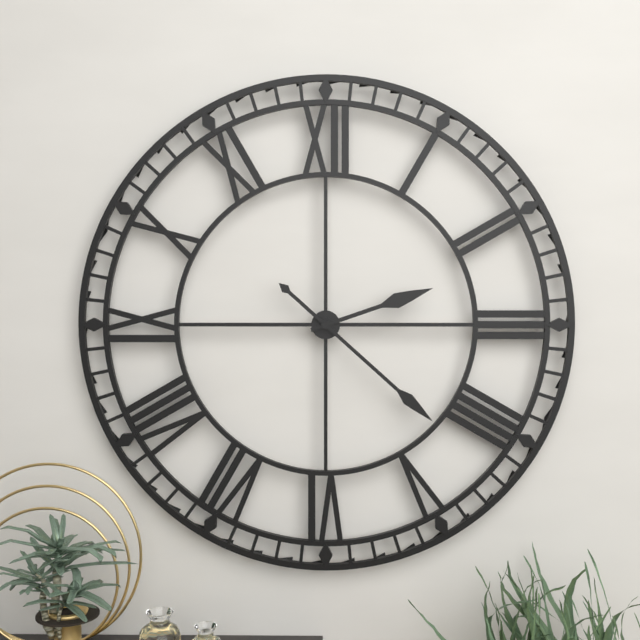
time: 2:22
